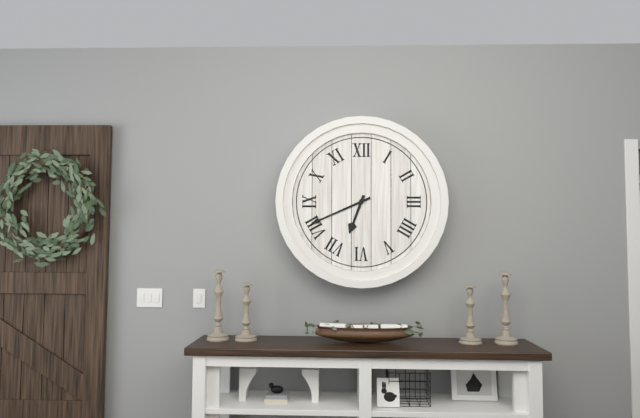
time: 6:41
